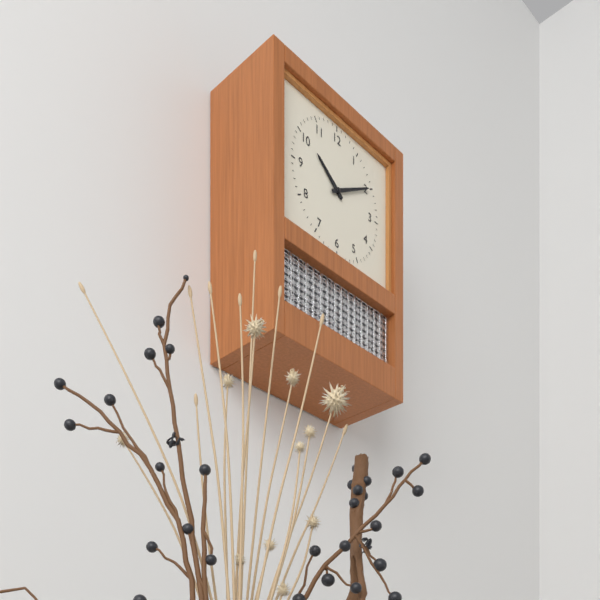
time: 10:10
